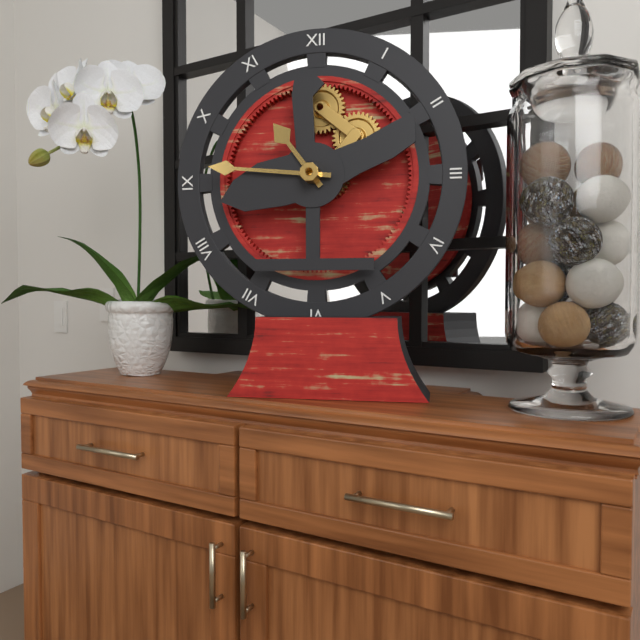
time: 10:46
